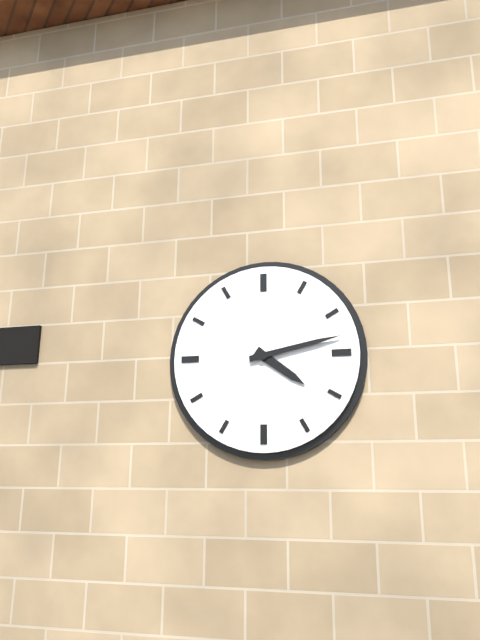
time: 4:13
